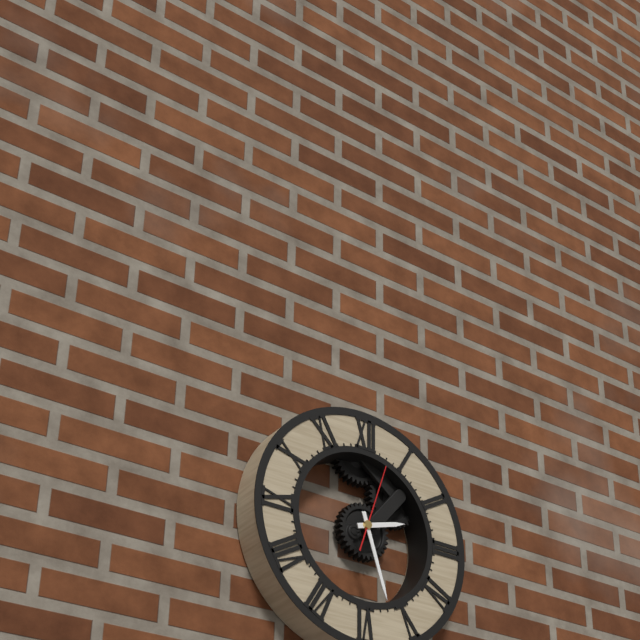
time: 2:27:03
